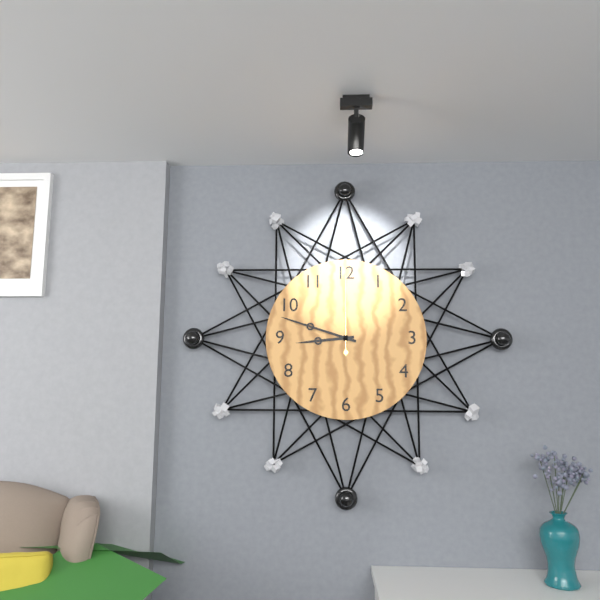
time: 8:48:00
